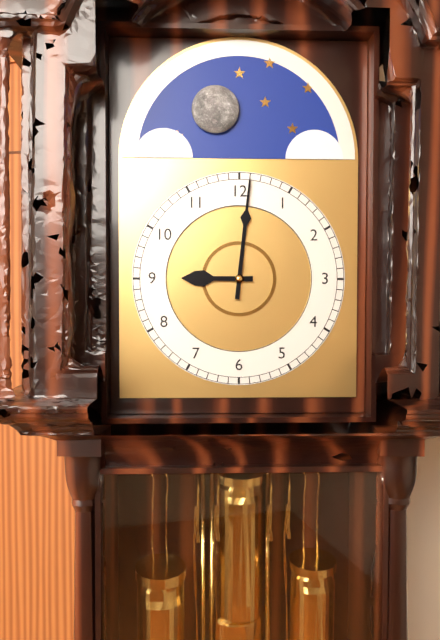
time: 9:01
